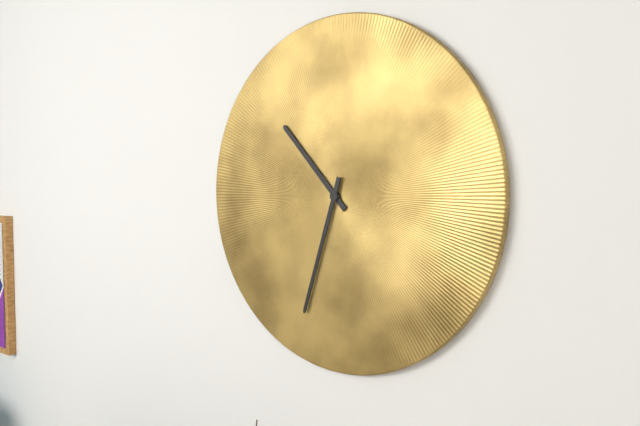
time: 10:33
